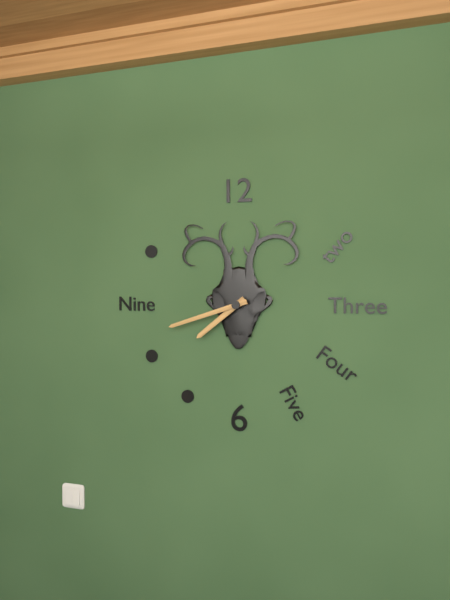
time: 7:42
